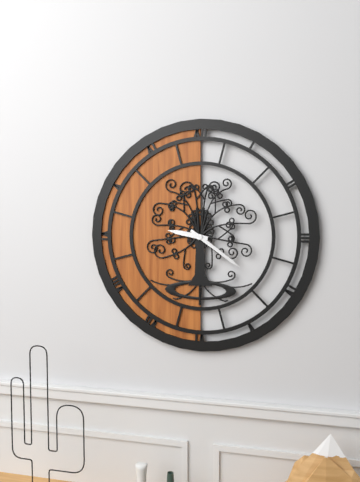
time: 9:21
